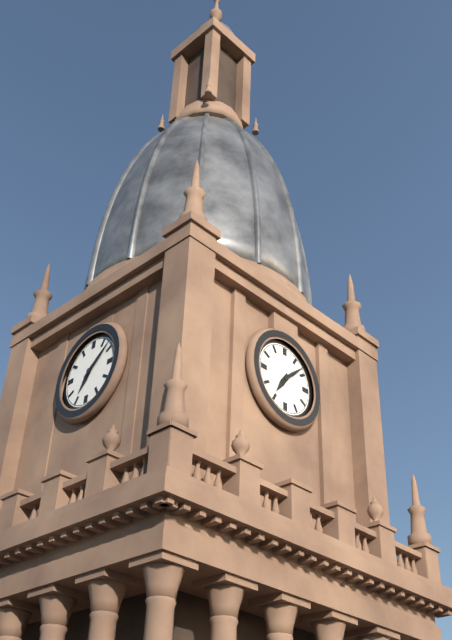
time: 7:08
